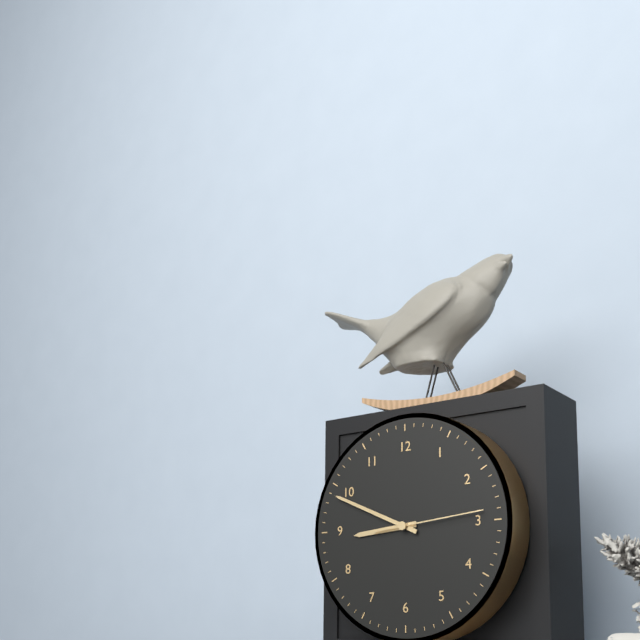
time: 8:49:14
